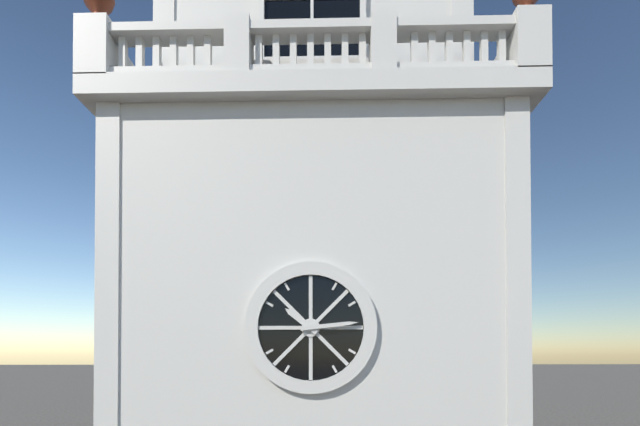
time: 10:14
